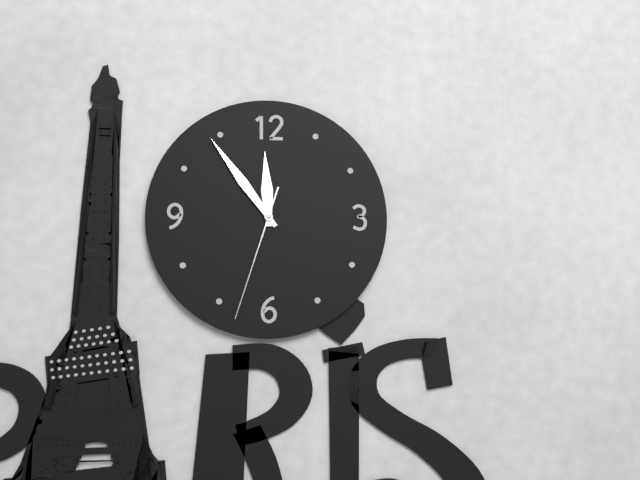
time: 11:54:33
